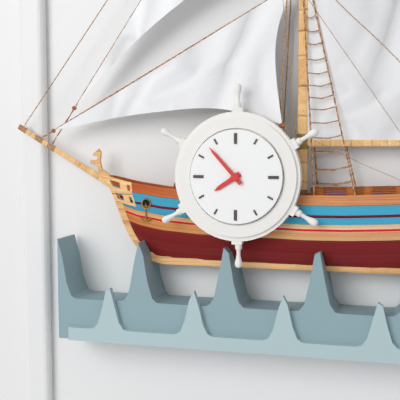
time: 7:53
